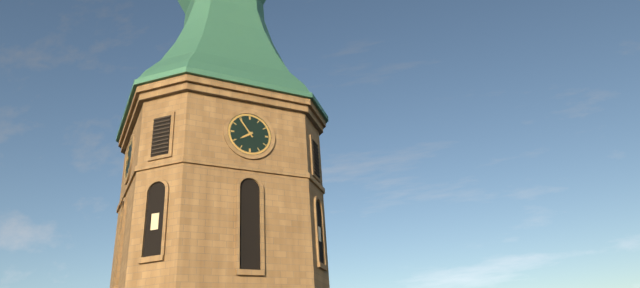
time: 7:54
